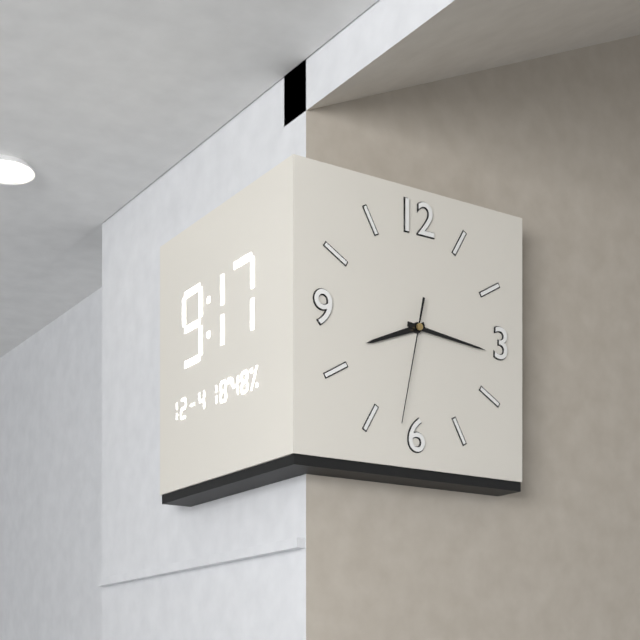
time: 8:16:32
